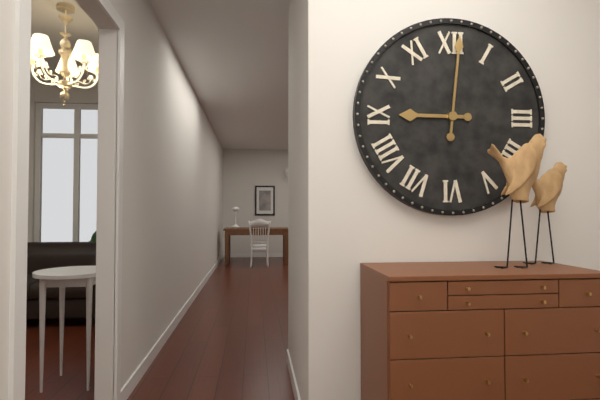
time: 9:01
